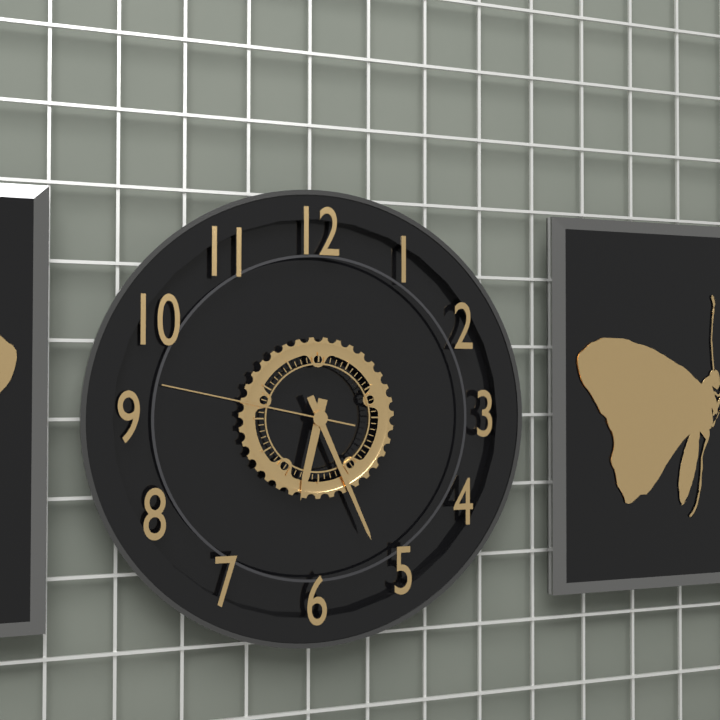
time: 6:26:47
